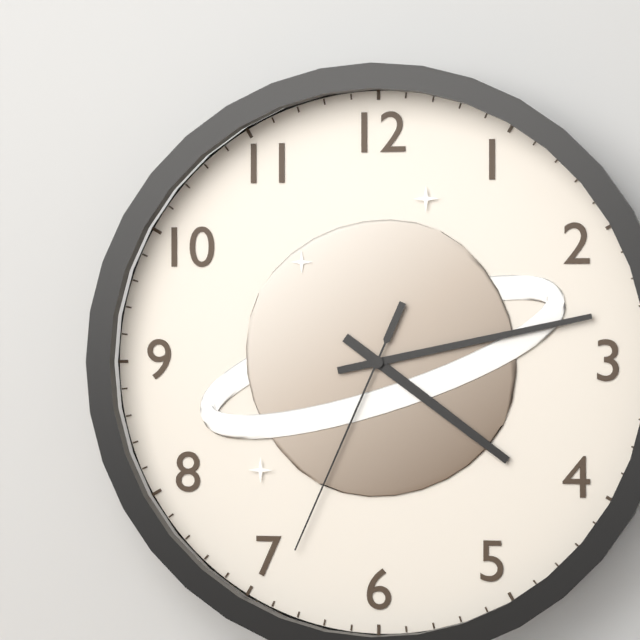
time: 4:13:34
